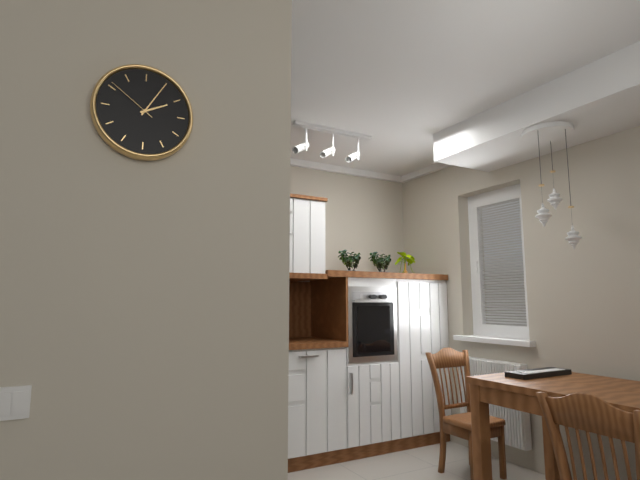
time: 2:05:51
